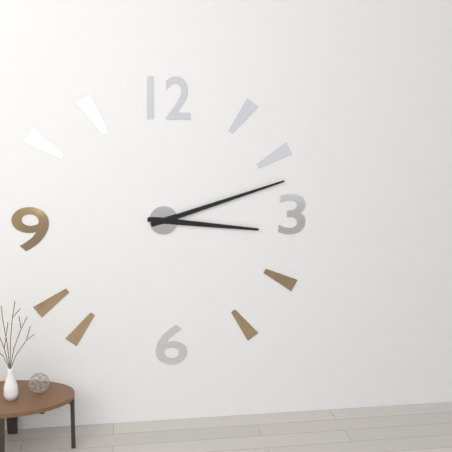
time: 3:12
